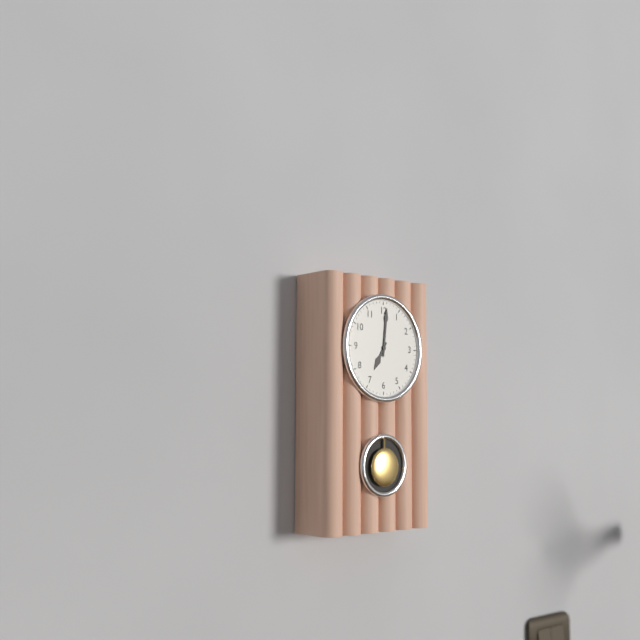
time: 7:01
